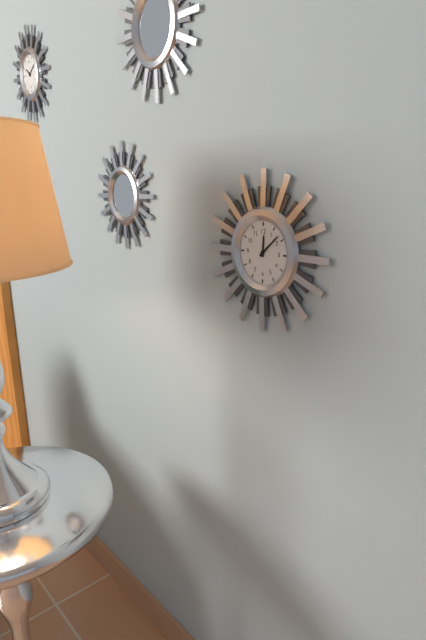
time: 12:08
